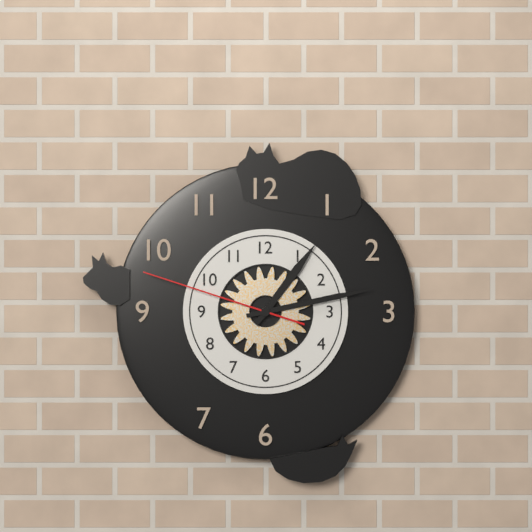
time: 1:13:48
